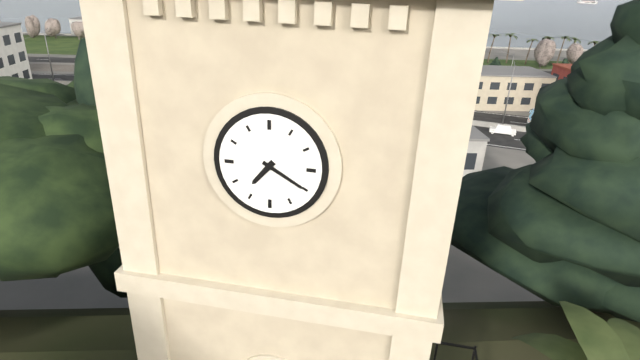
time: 7:20
